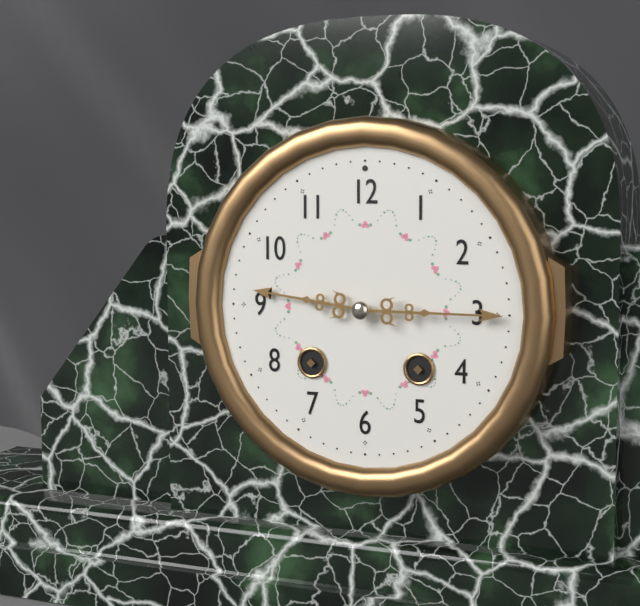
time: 9:15
